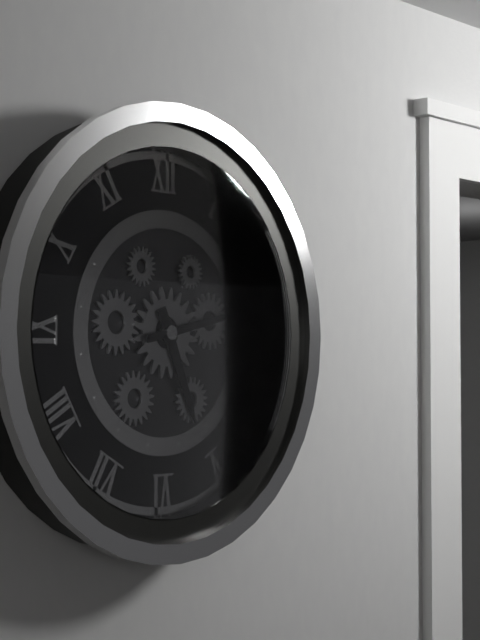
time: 5:13
